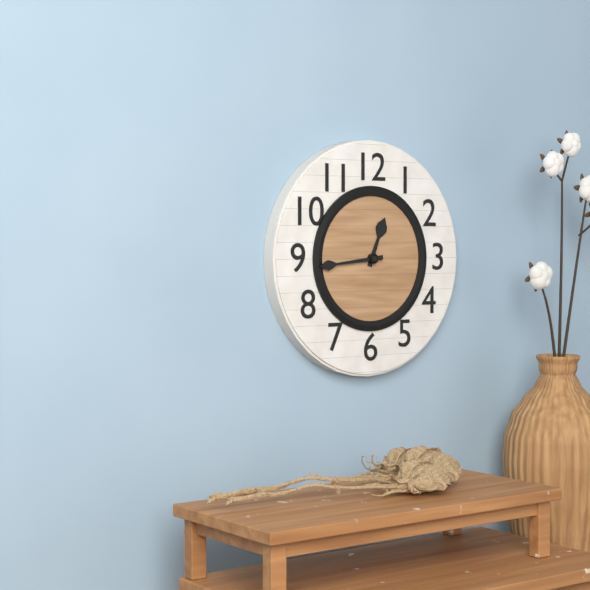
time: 12:44
